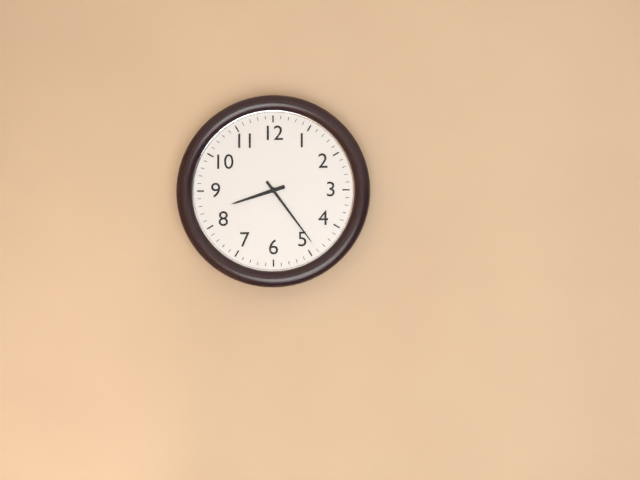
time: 8:24
